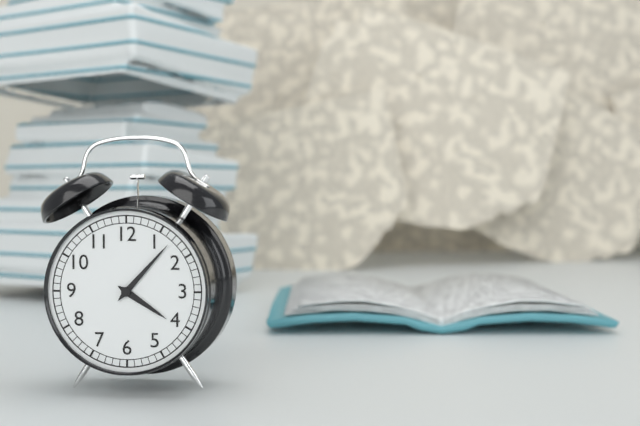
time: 4:07
